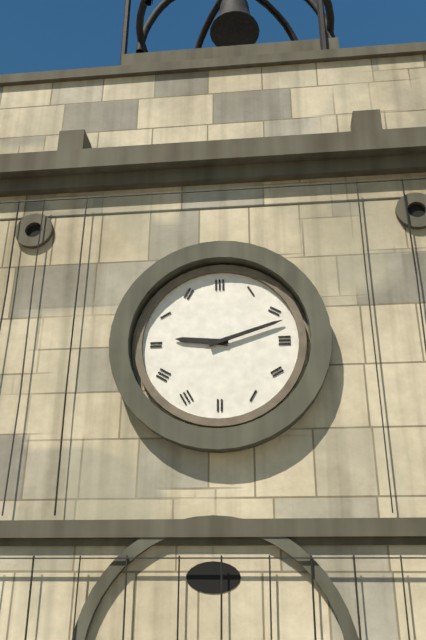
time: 9:12
